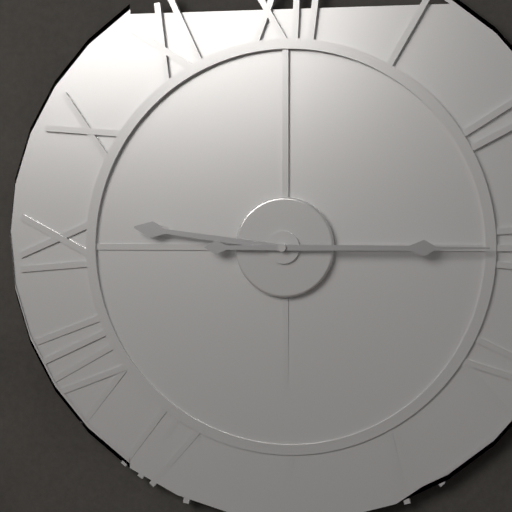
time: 9:15
